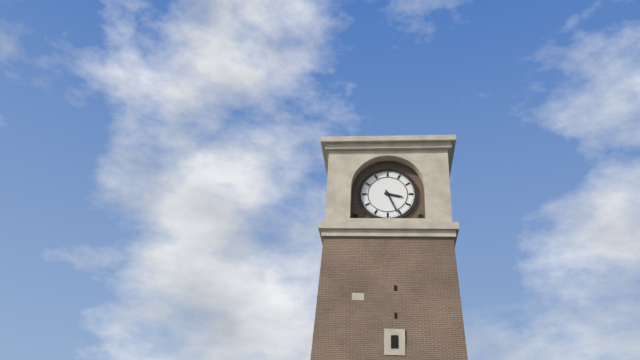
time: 3:26
